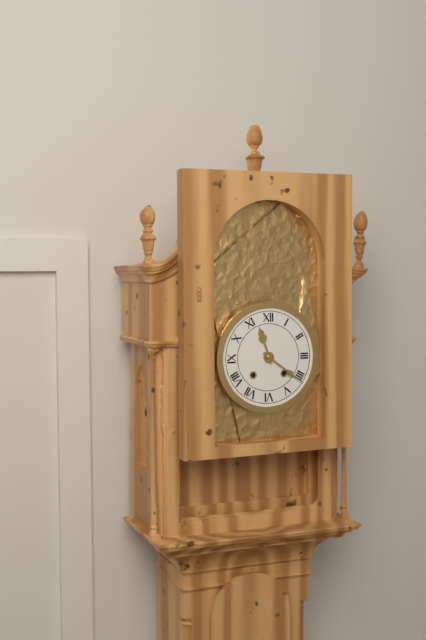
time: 11:21
